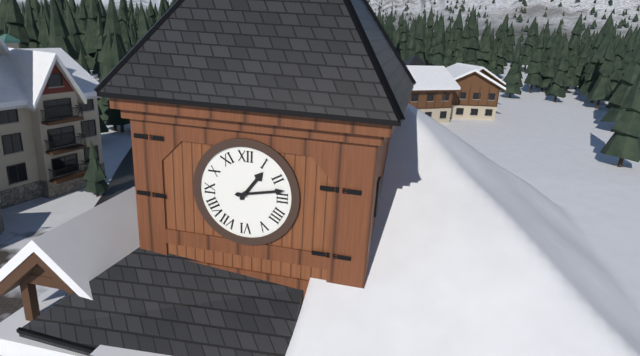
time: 1:13
